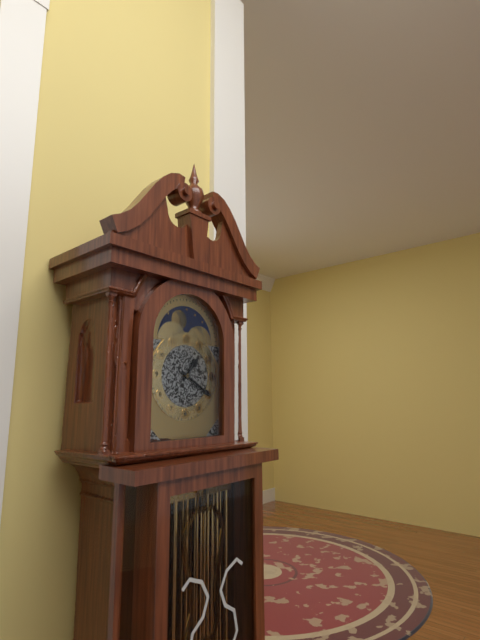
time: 1:20
